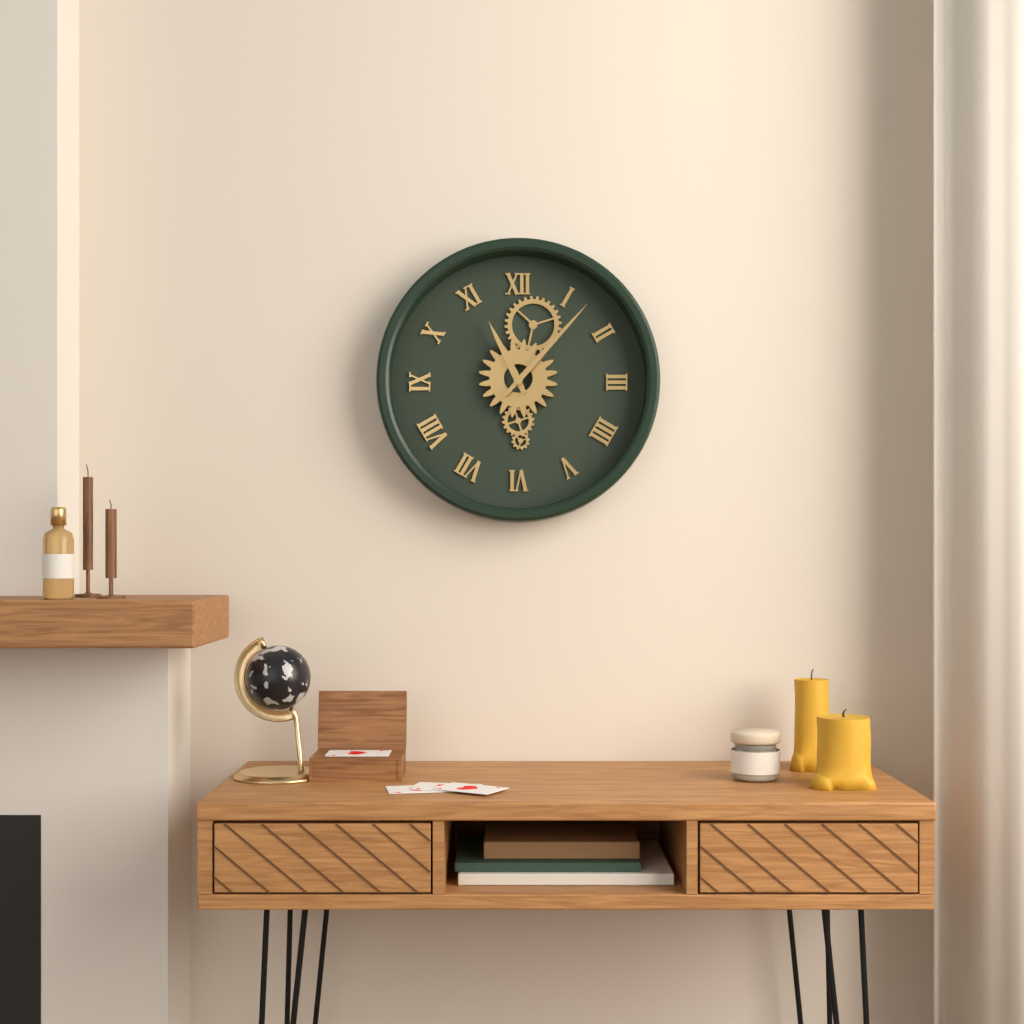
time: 11:07
